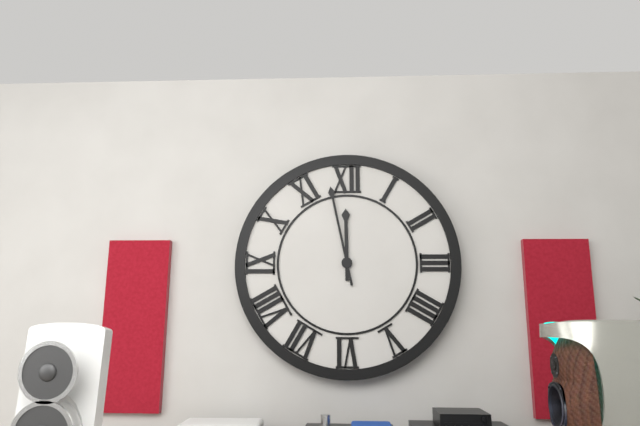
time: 11:58
